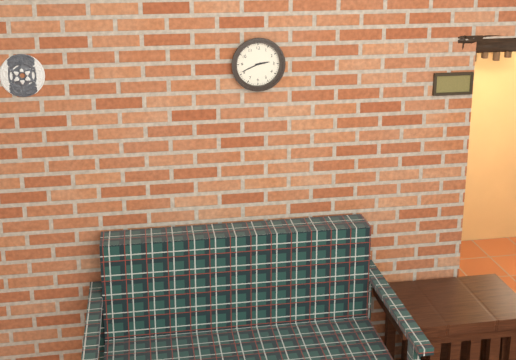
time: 2:41
